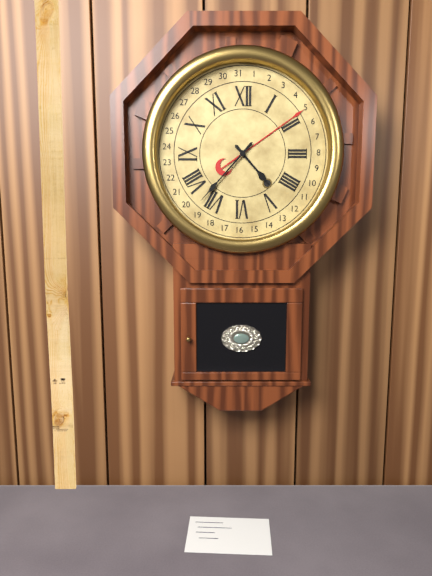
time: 4:37
